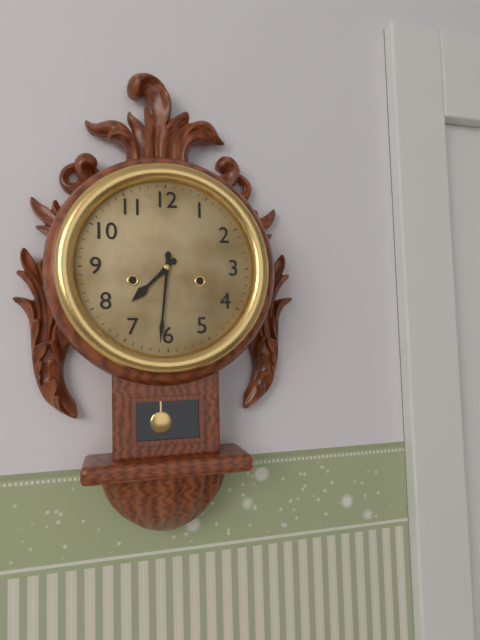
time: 7:31
